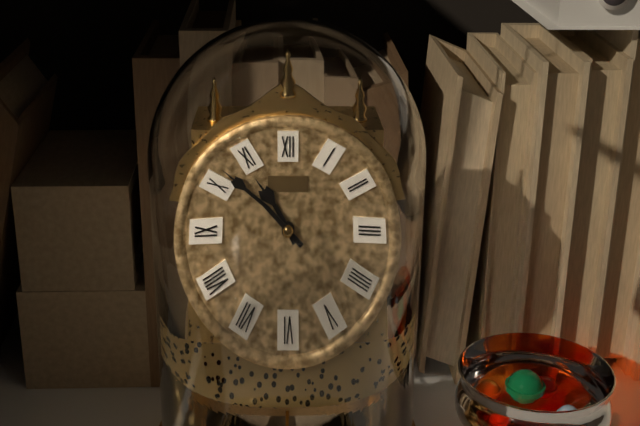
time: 10:52
